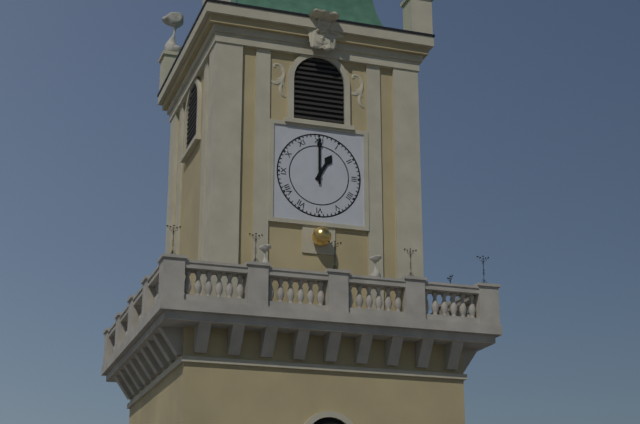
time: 1:00
